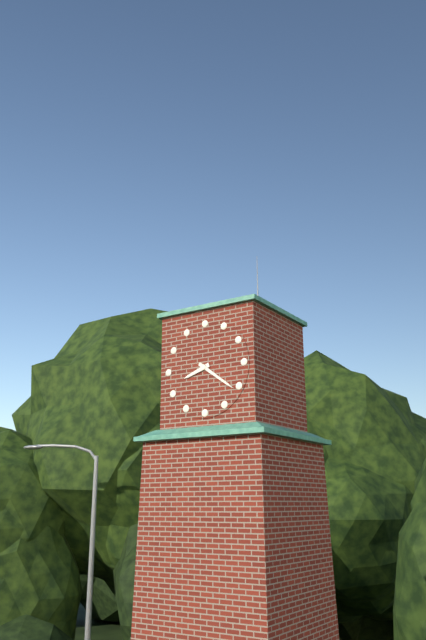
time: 8:21
